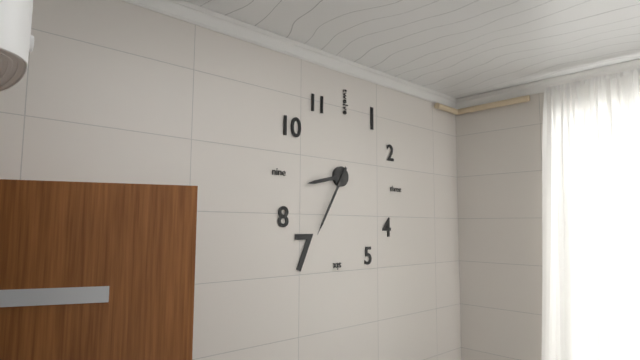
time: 8:35
